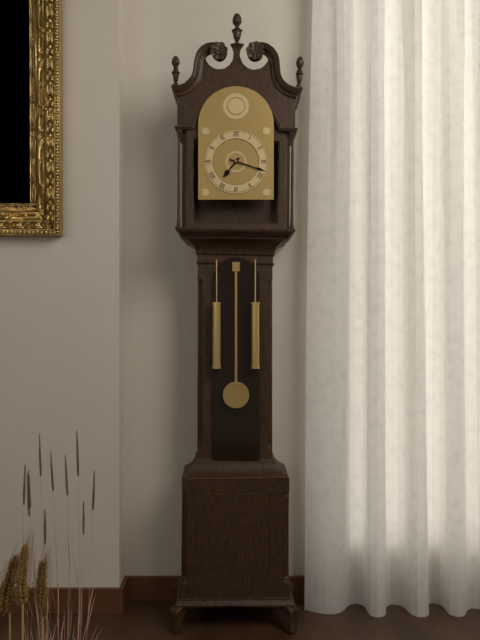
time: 7:18
